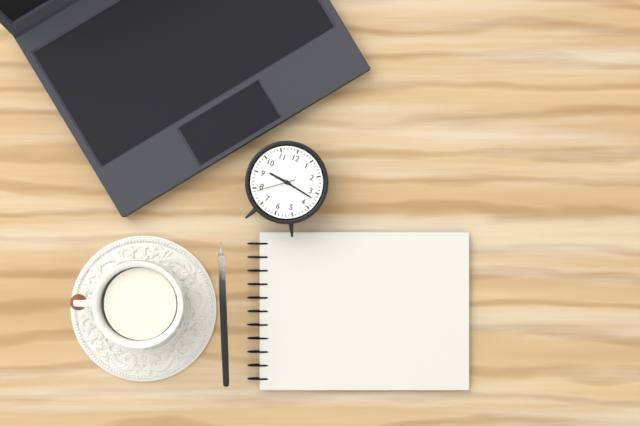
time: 9:17
